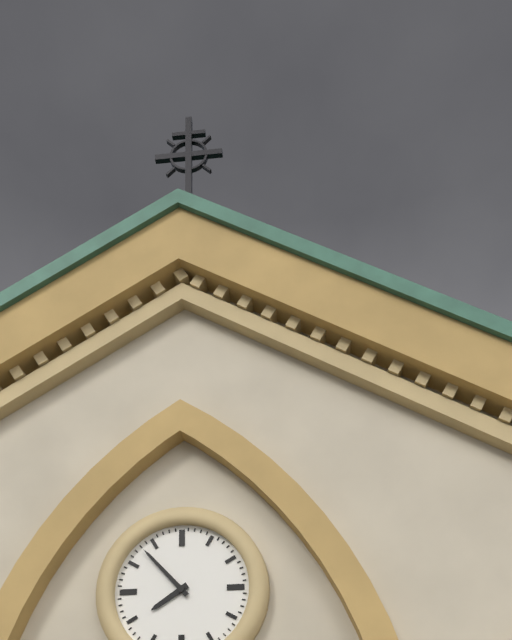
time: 7:53
